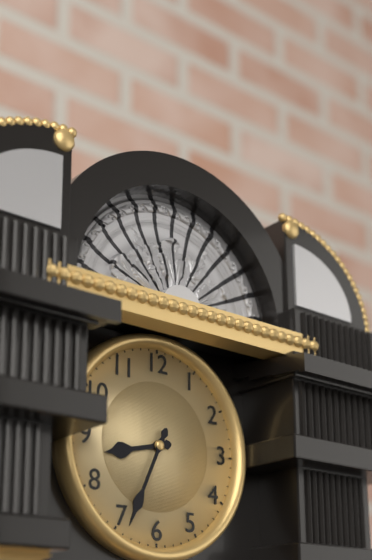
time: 8:34
